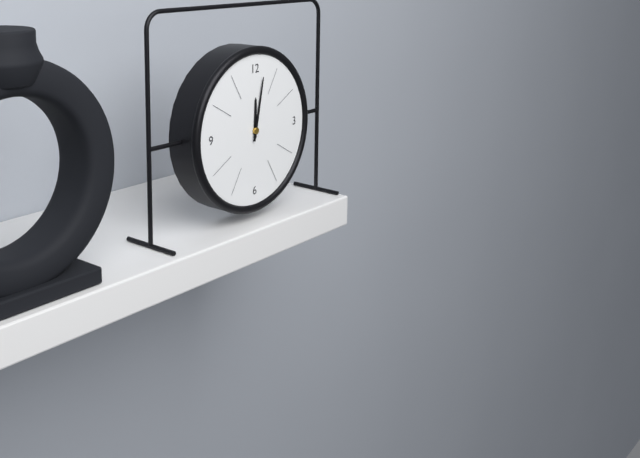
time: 12:02
